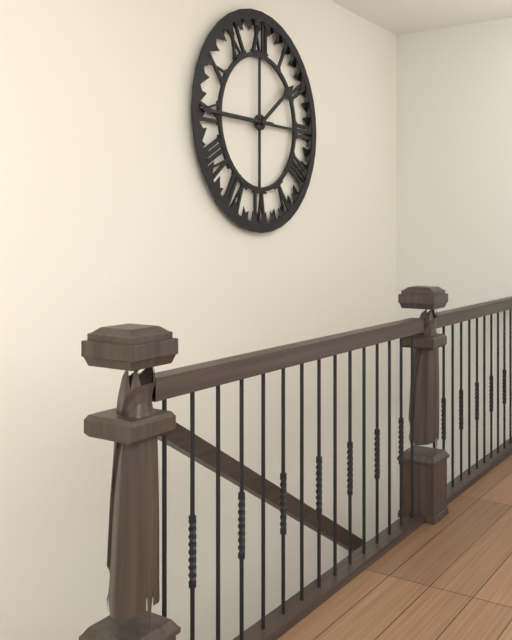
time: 1:45
